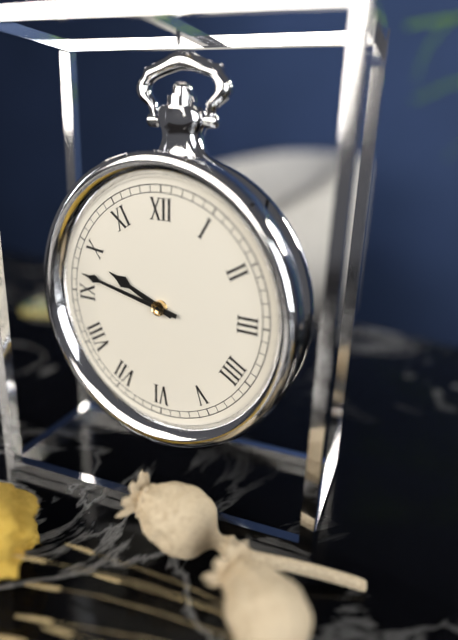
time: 9:47
